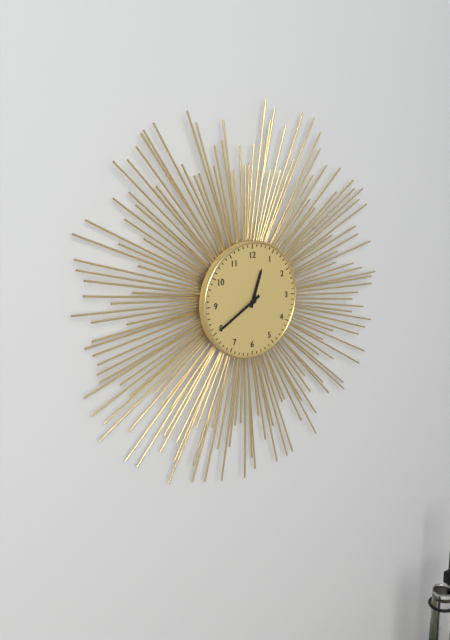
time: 12:40
